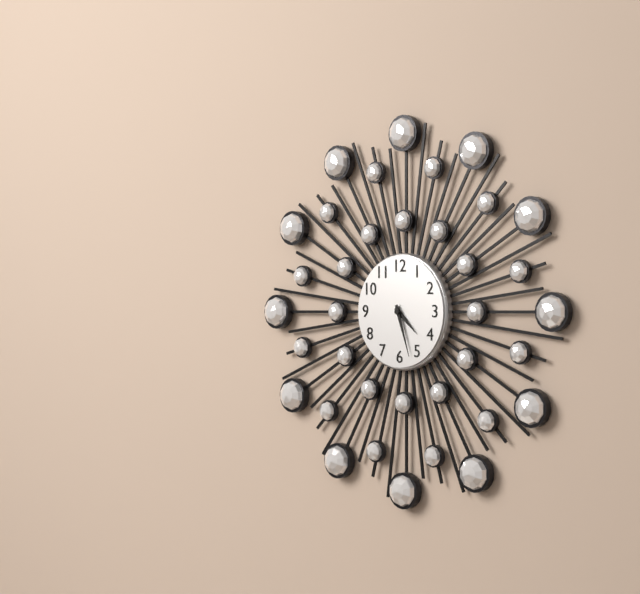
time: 4:27
